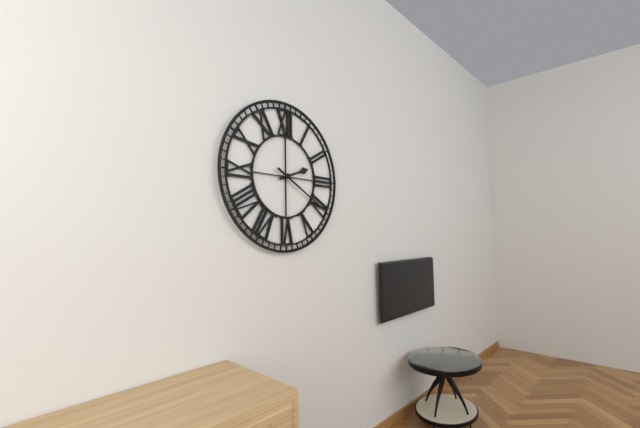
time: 2:20
